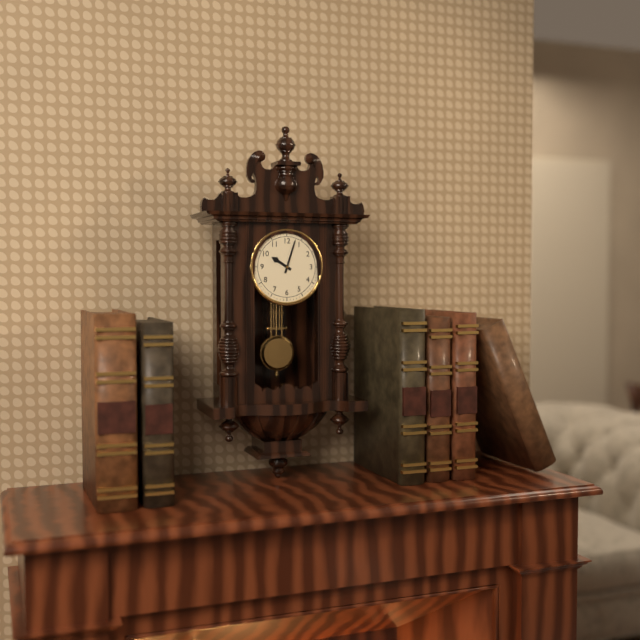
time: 10:03
